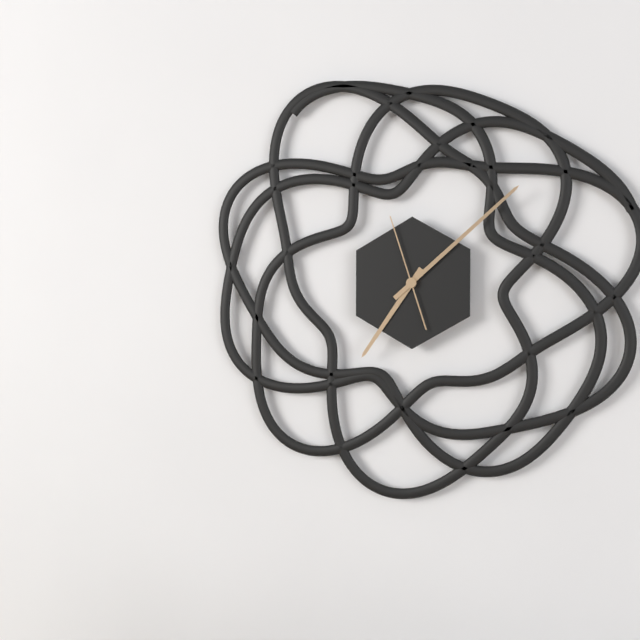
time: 7:08:57
